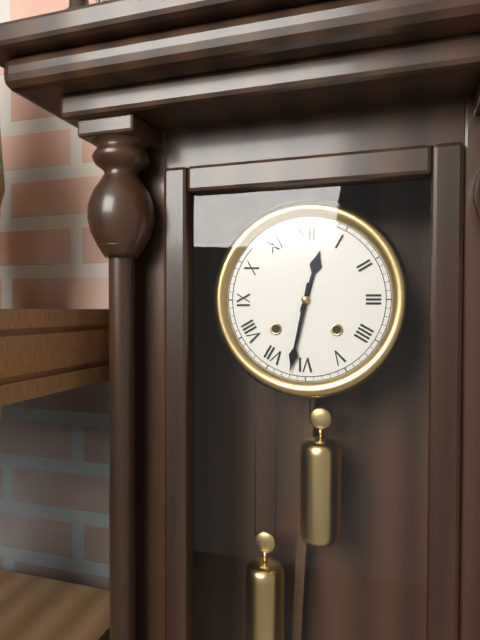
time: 12:32
